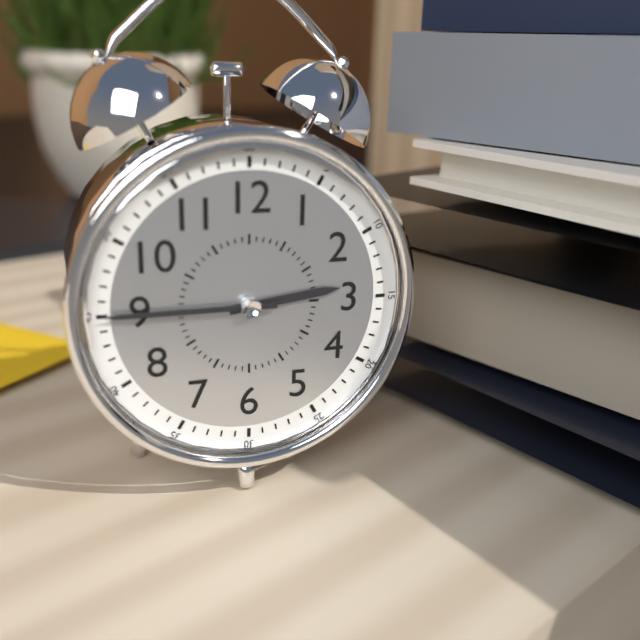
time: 2:45
